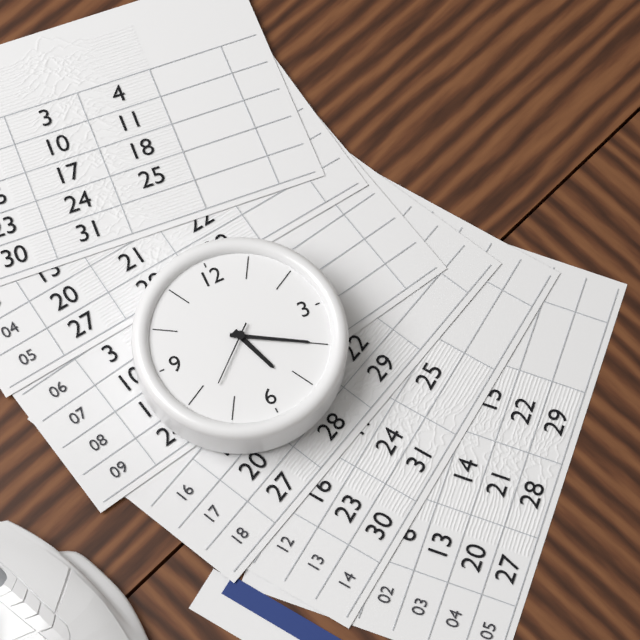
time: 5:20:38
